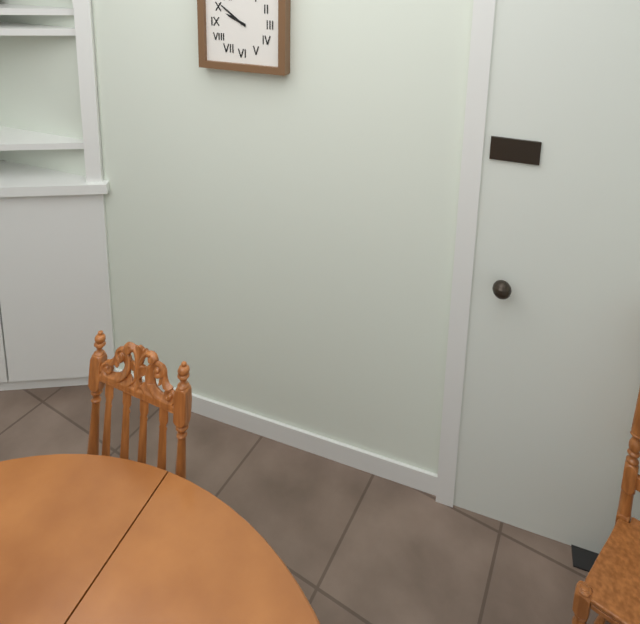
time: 9:51
